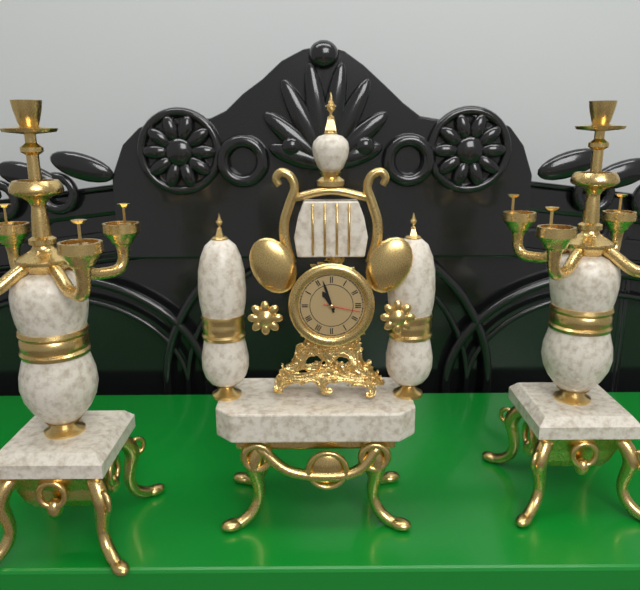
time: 10:57
